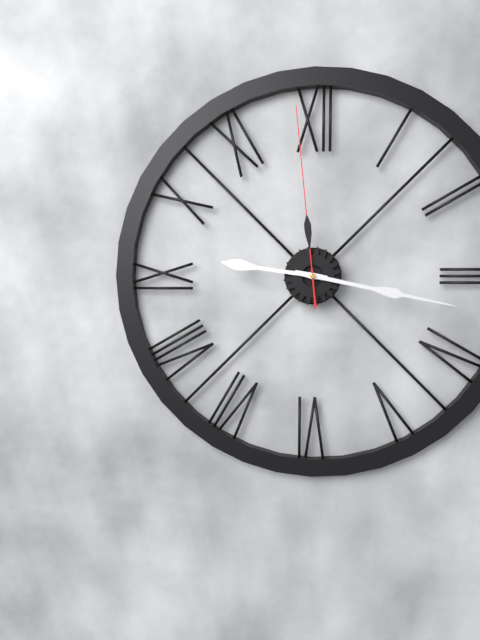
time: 9:17:59
